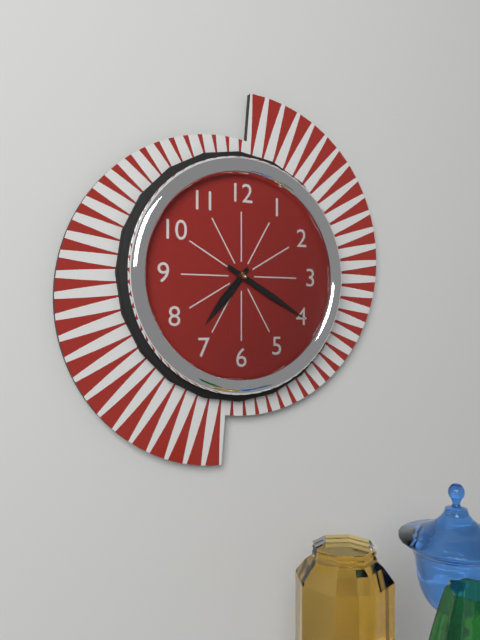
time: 7:20
